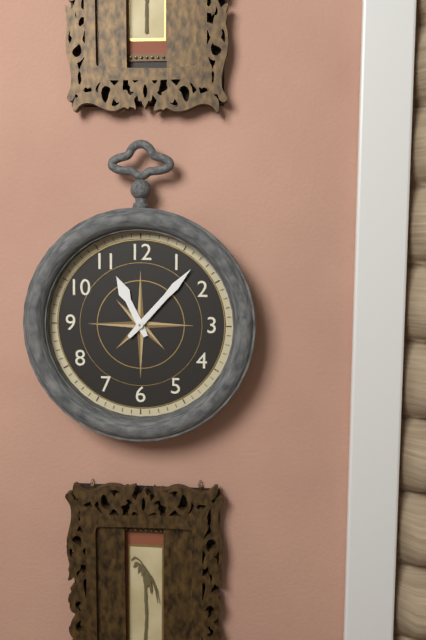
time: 11:07
